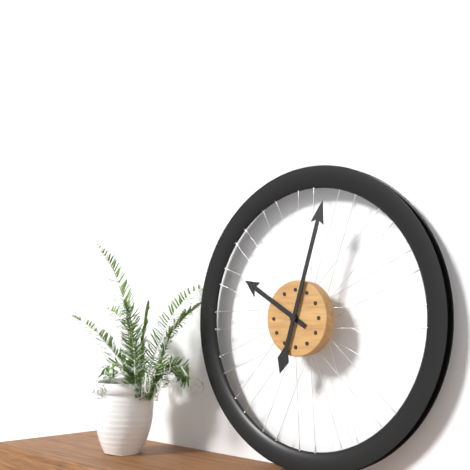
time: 10:03
